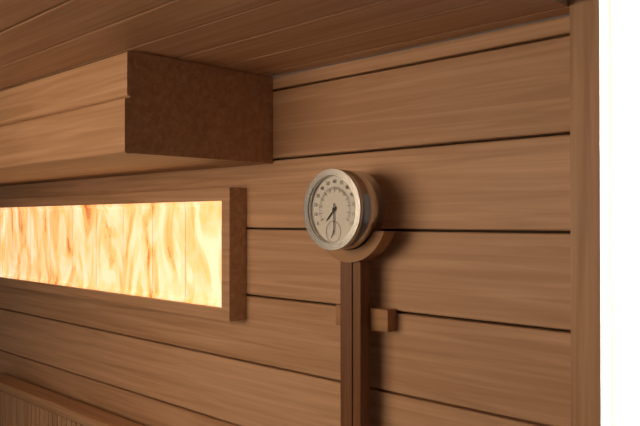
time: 7:30
